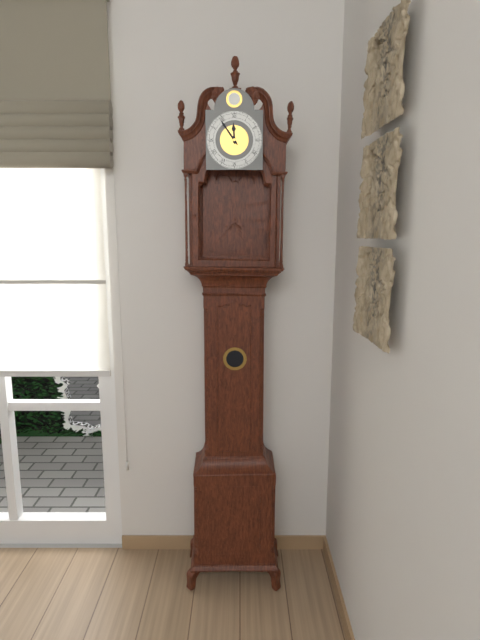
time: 11:54
